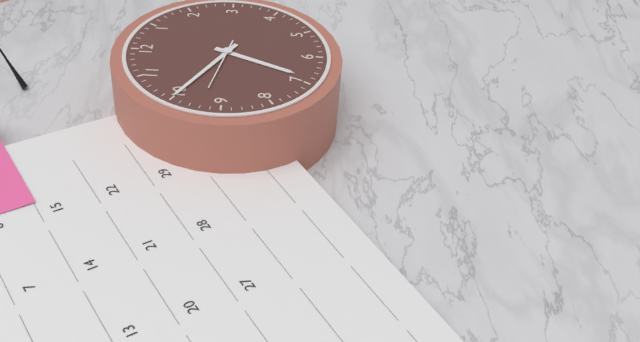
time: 6:50
